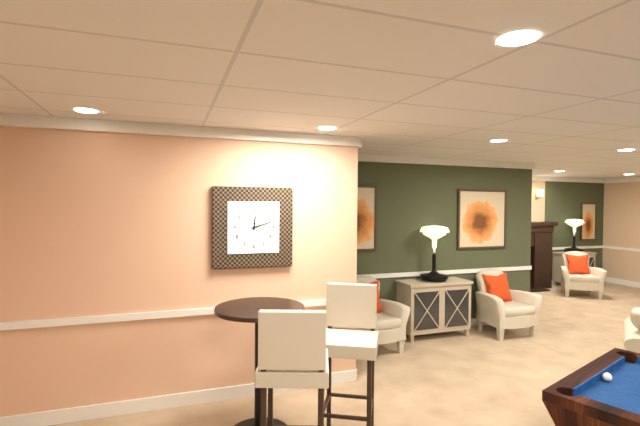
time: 12:12
